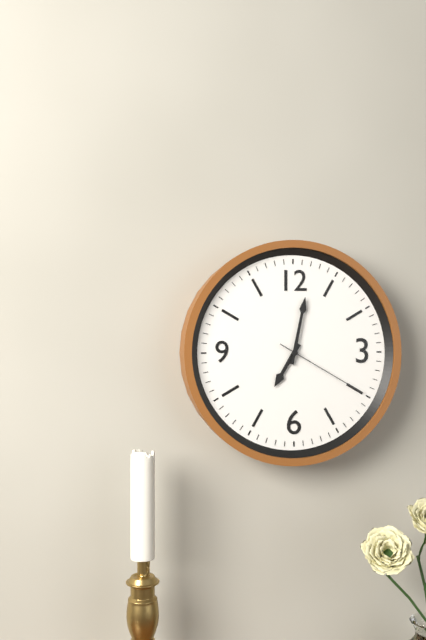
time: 7:02:20
